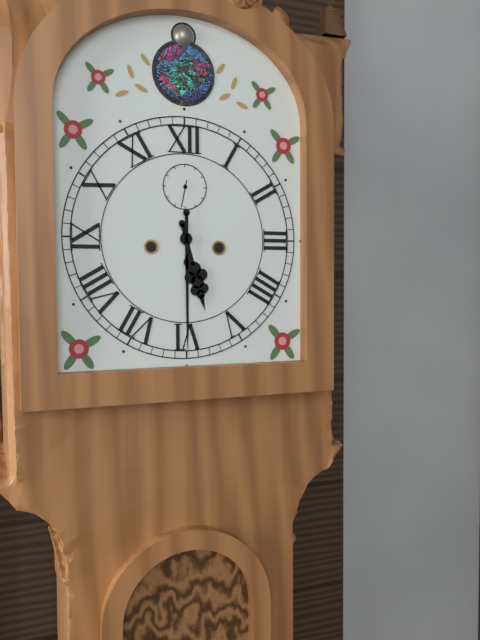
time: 5:30
